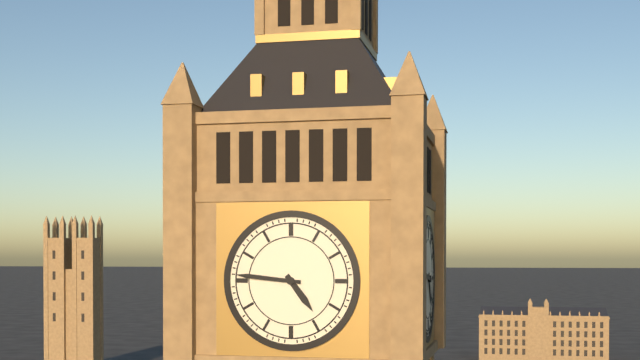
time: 4:46
